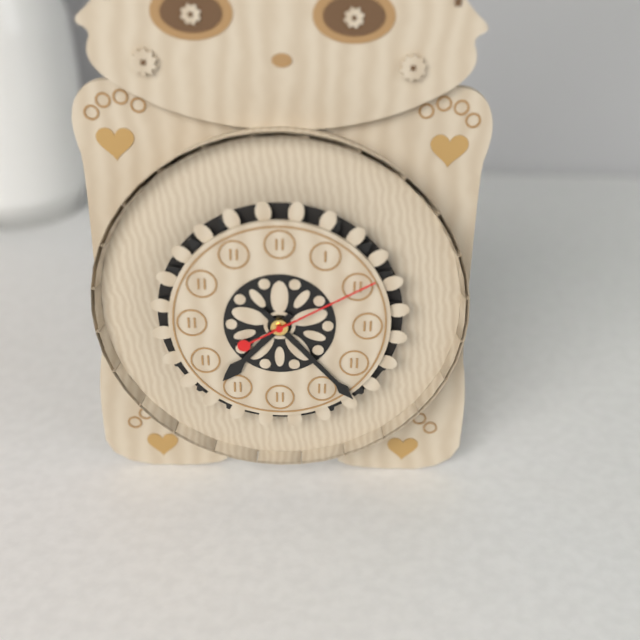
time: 7:23:10
